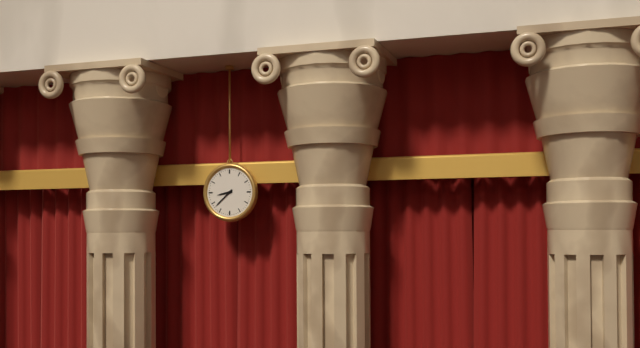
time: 8:38
